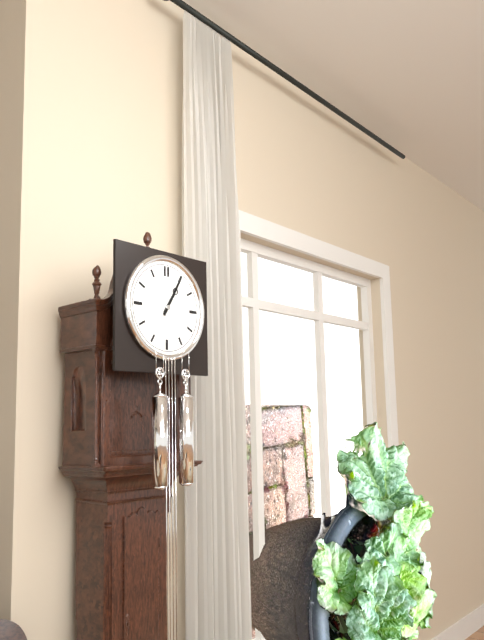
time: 1:05
